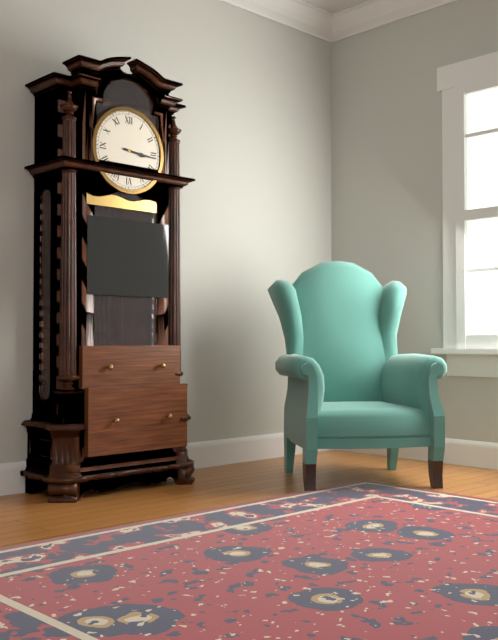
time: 3:16
